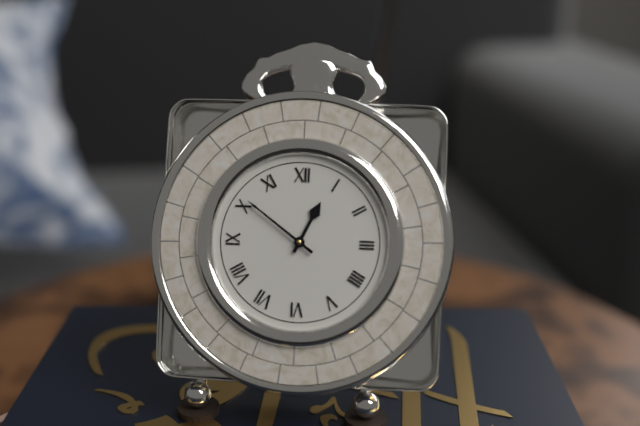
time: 12:51
